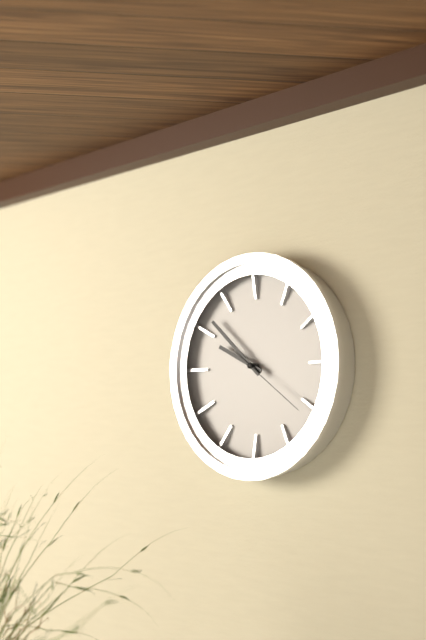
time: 9:52:21
